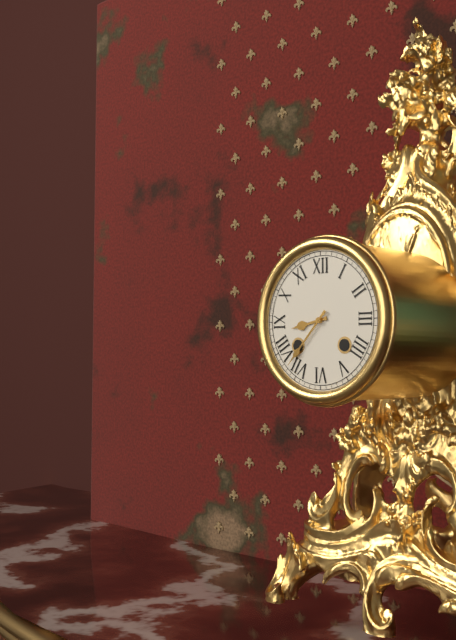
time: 8:37
